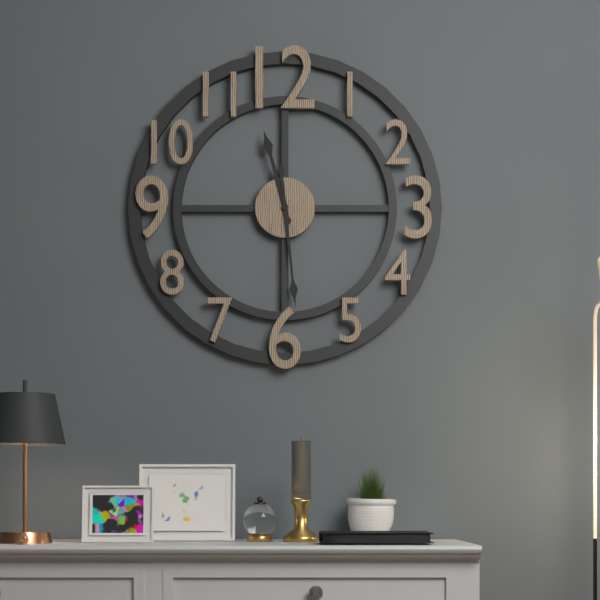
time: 11:29
